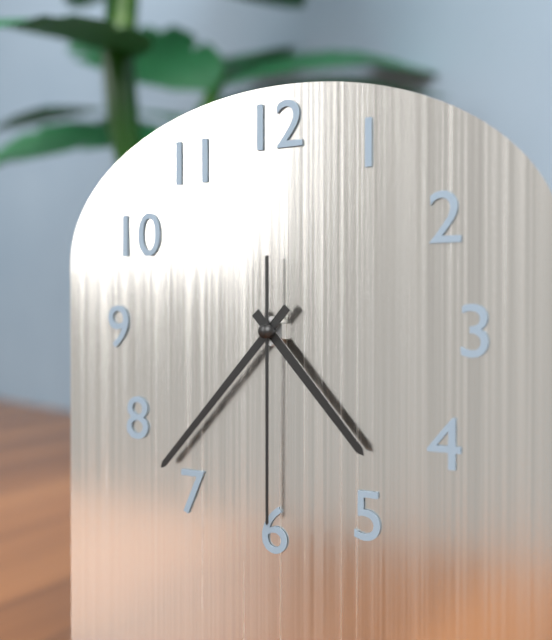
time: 4:37:30
